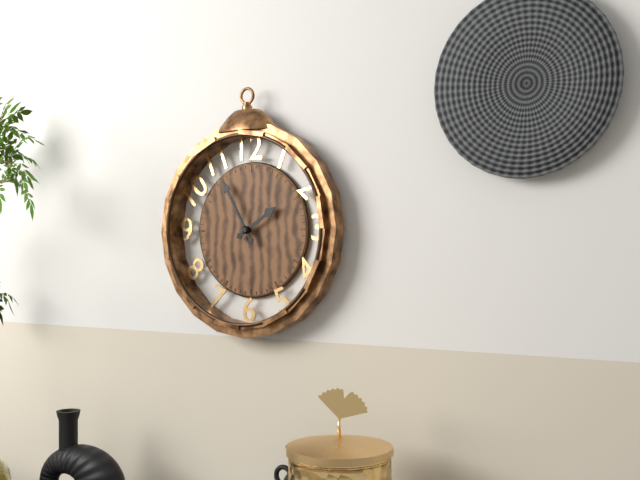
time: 1:55
